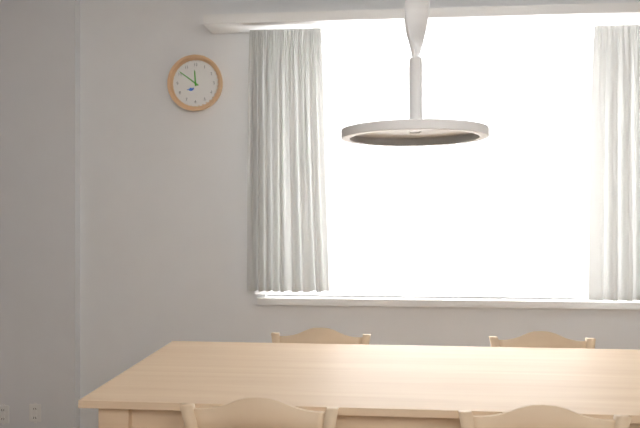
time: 11:51
